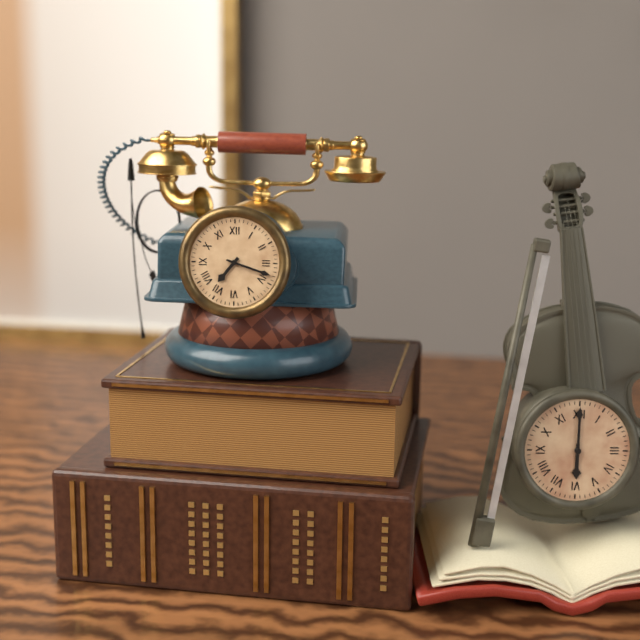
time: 7:18
